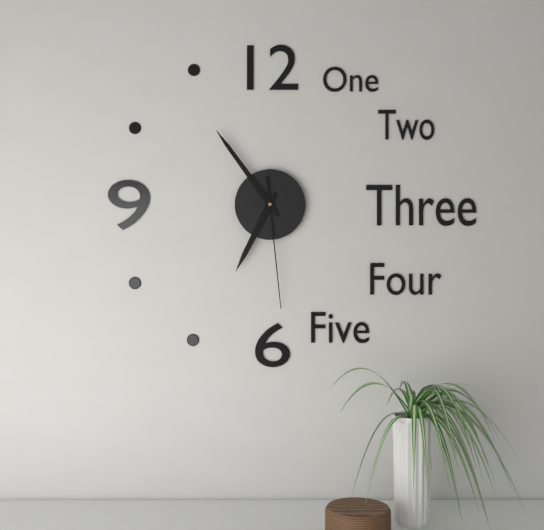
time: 6:54:29
